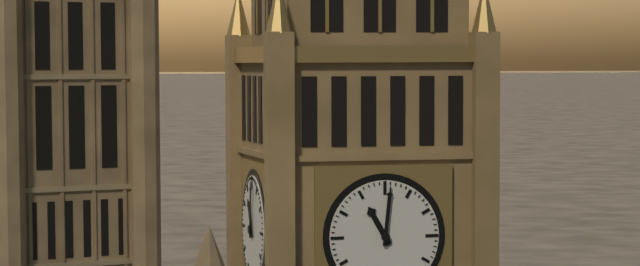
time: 11:01
